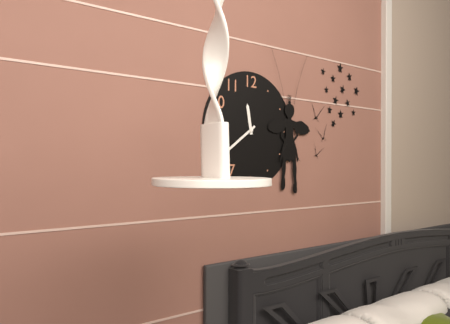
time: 11:39
